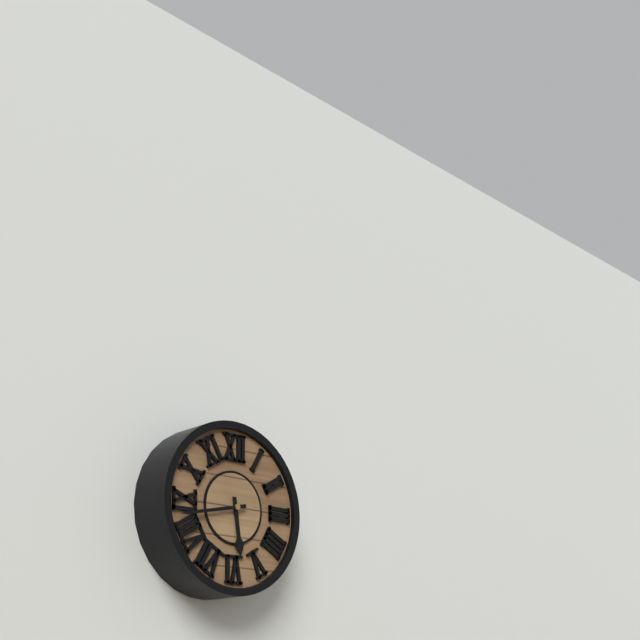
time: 5:43
